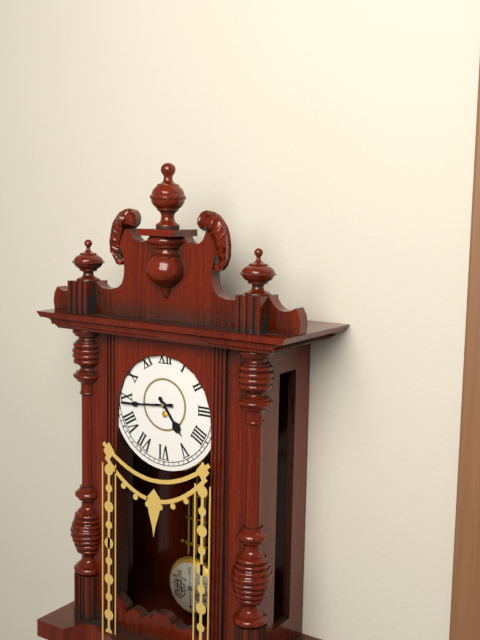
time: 4:44
